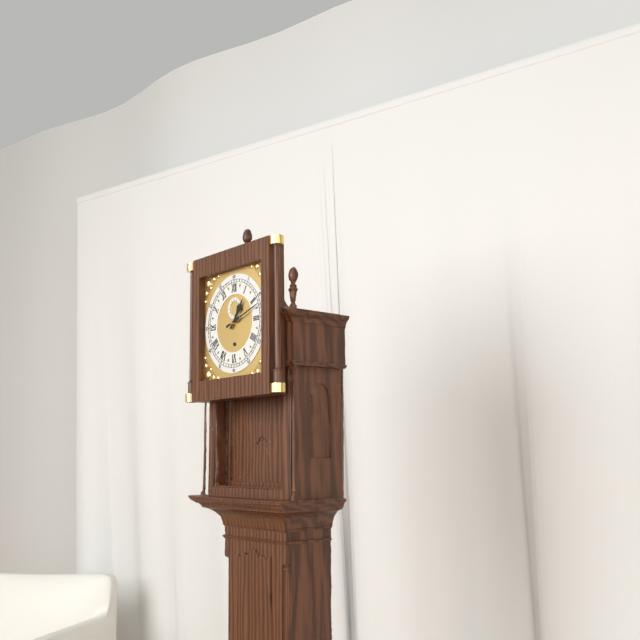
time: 1:12
